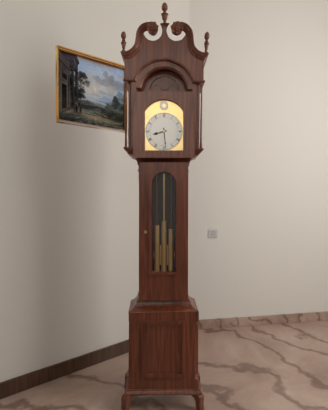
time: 8:29
